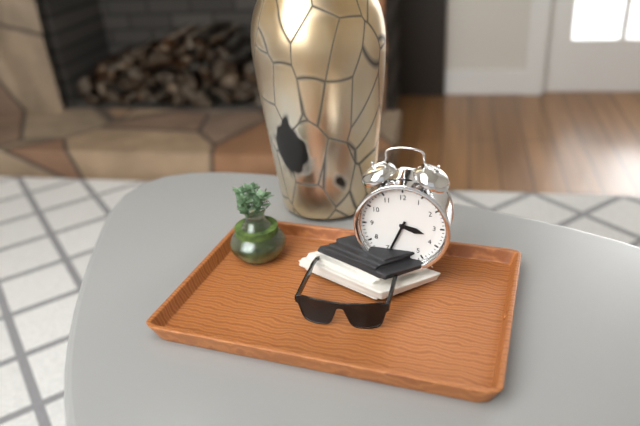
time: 3:34
